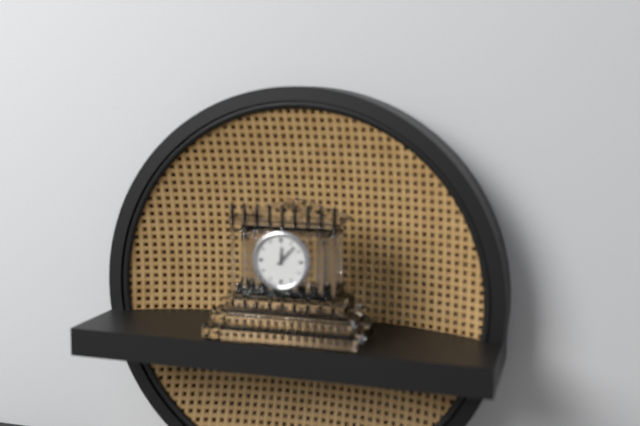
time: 12:07
